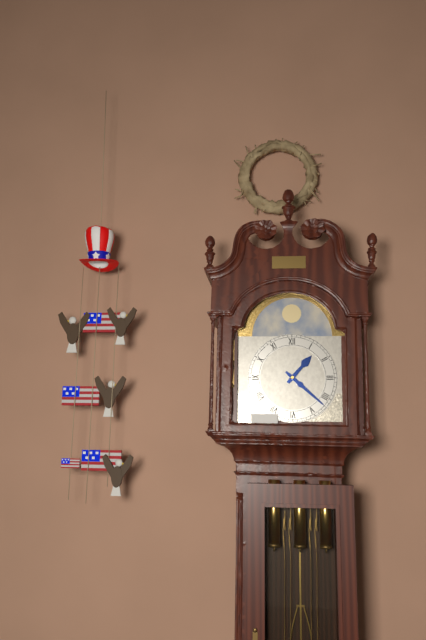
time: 1:22
